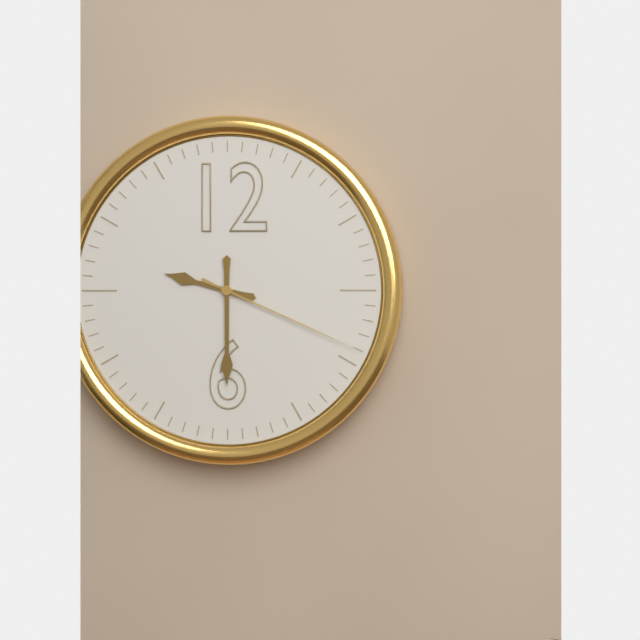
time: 9:30:19
